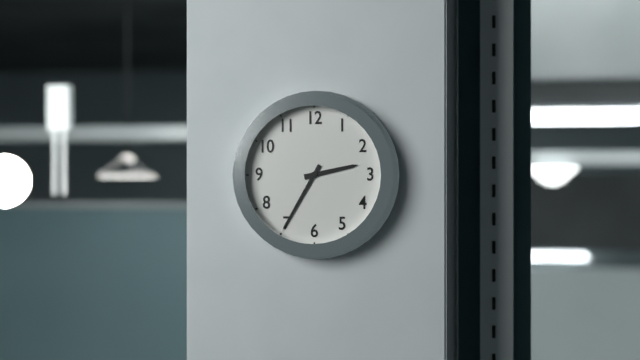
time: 2:35
